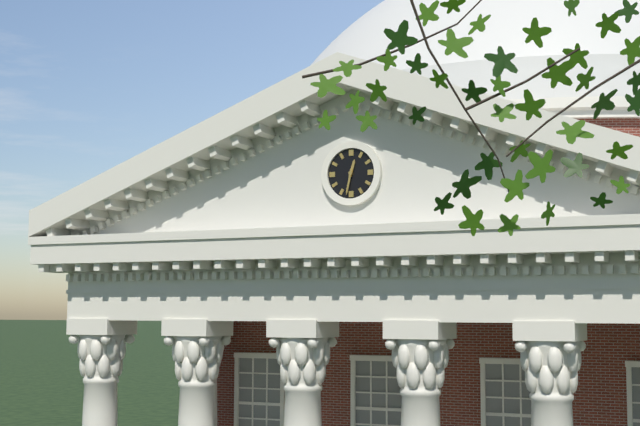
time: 12:32
